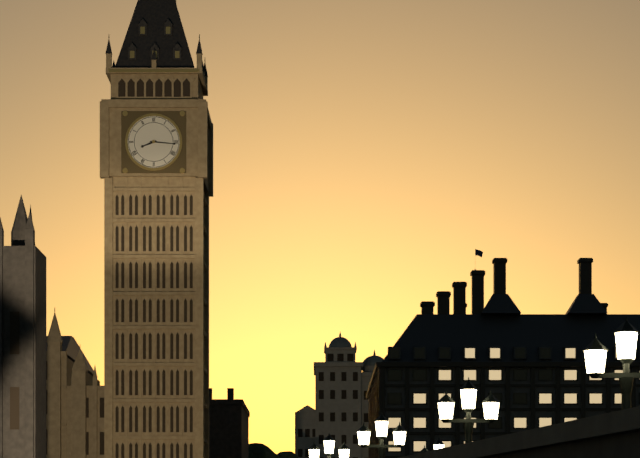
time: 8:16
